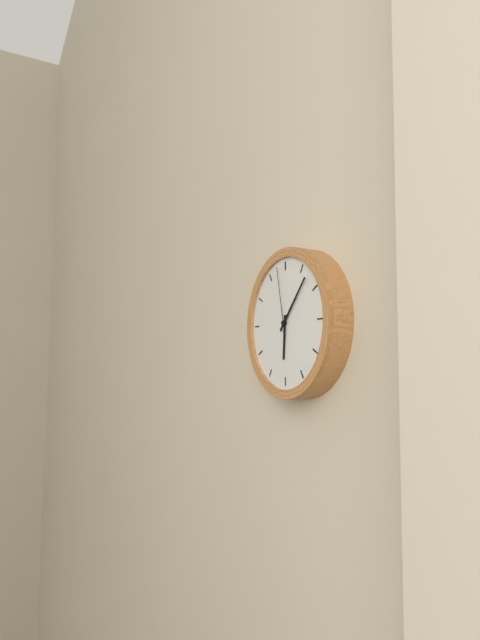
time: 6:07:58
